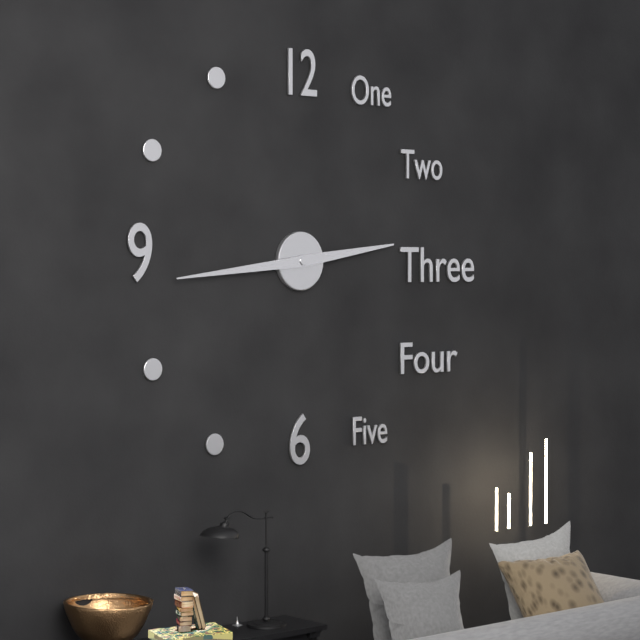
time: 2:44
